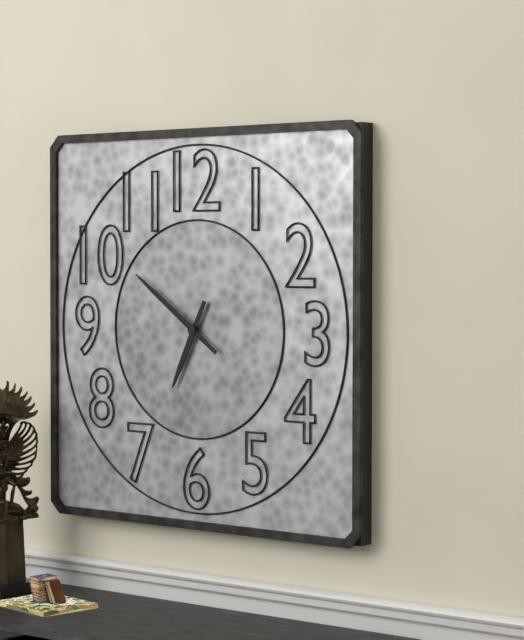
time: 6:51
